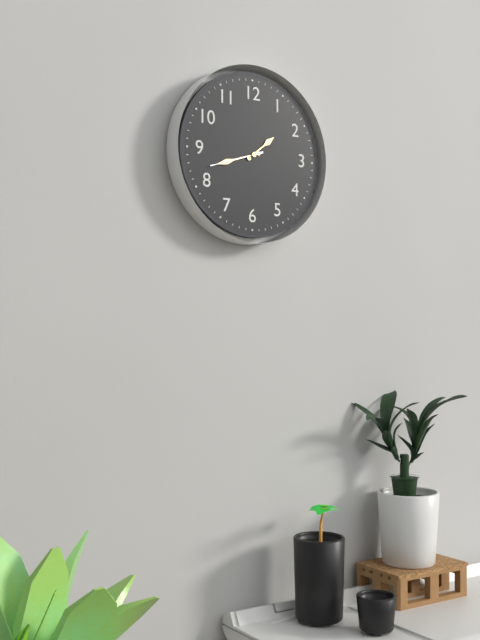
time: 1:42:42
